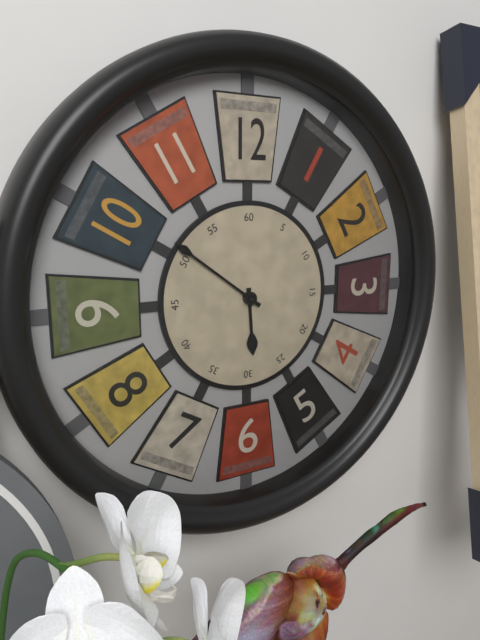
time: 5:51
